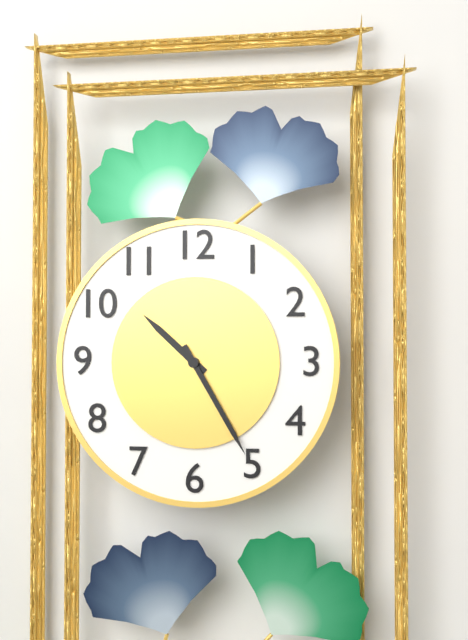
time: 10:25
